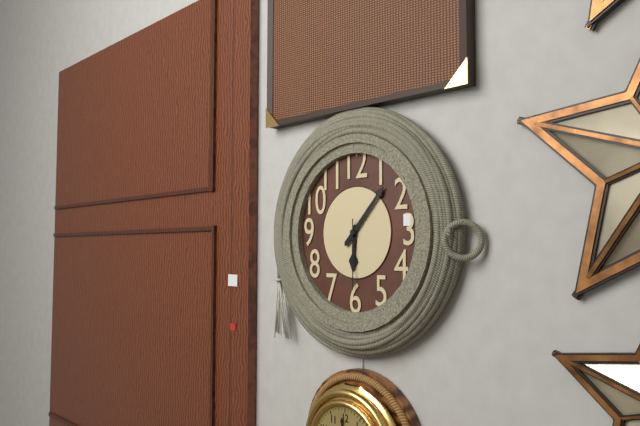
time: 6:07:30
